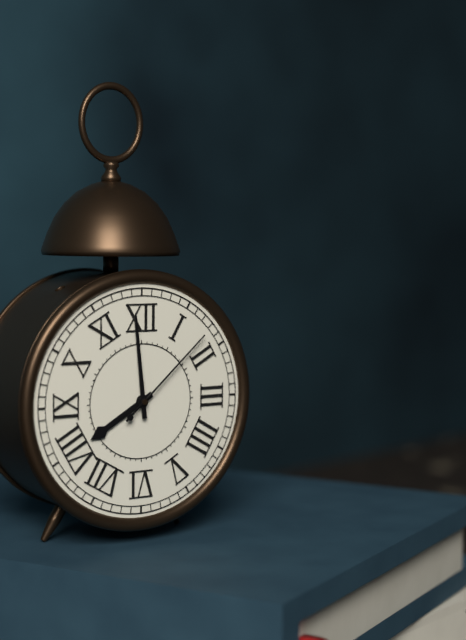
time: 7:59:08
